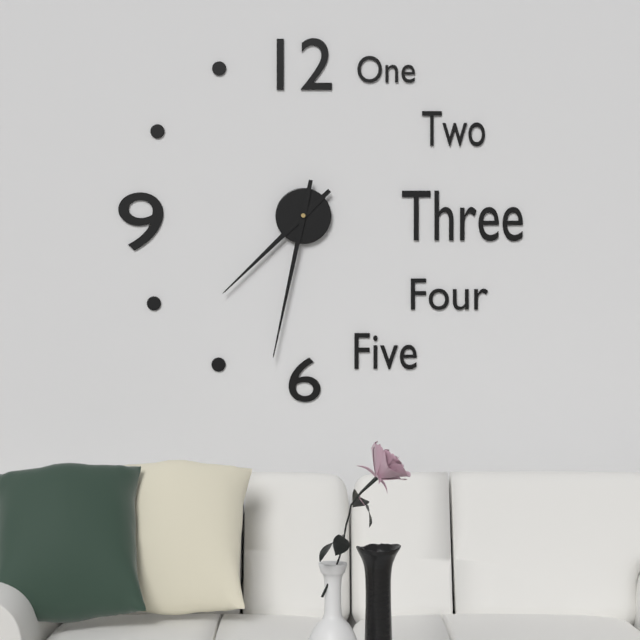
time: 7:32
